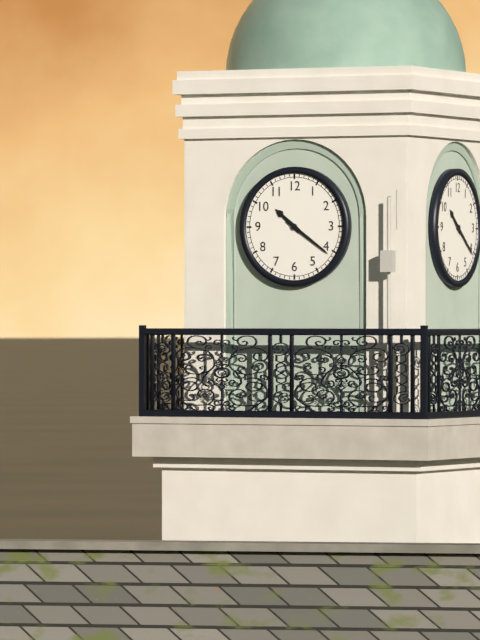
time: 10:21
